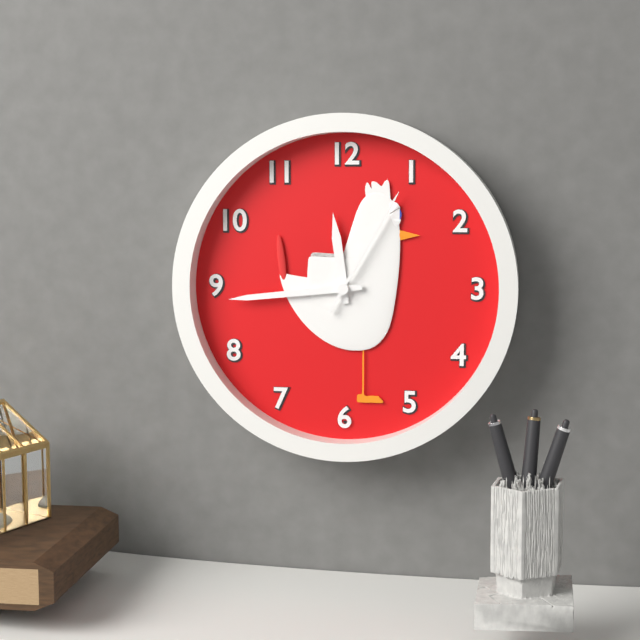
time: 11:44:05
